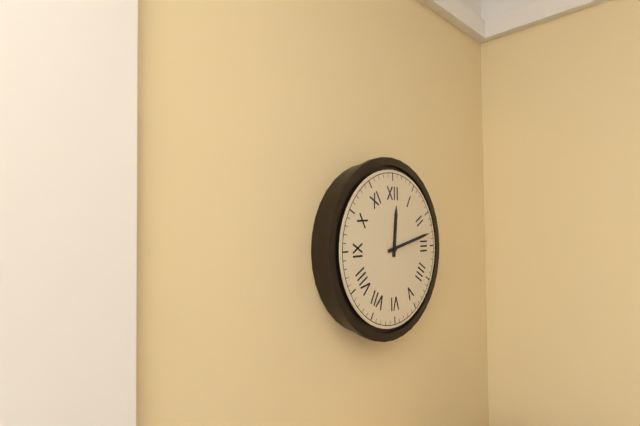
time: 12:13
